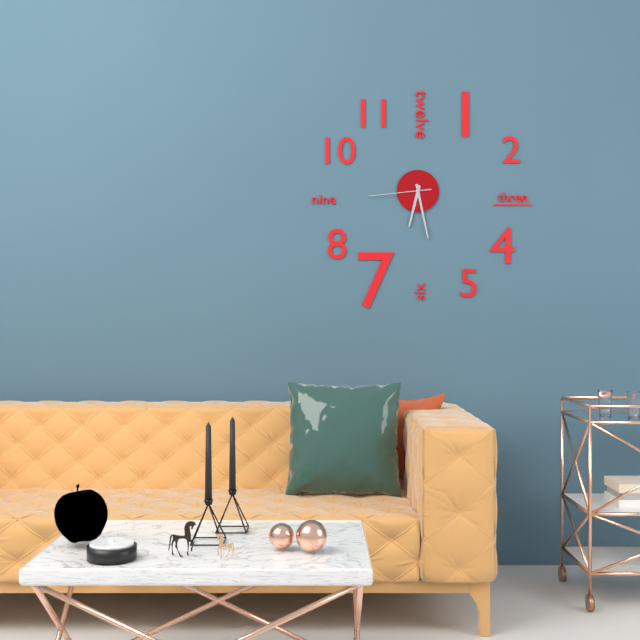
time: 6:28:44
